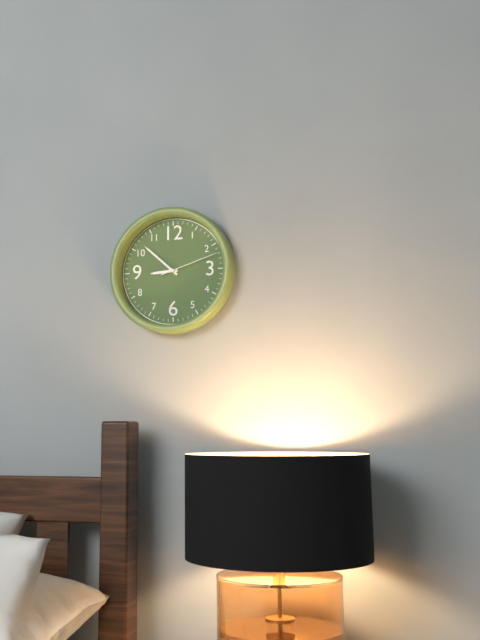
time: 8:52:12
